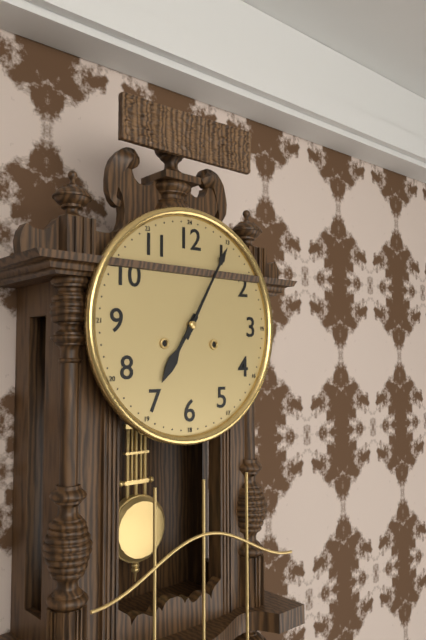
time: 7:05
